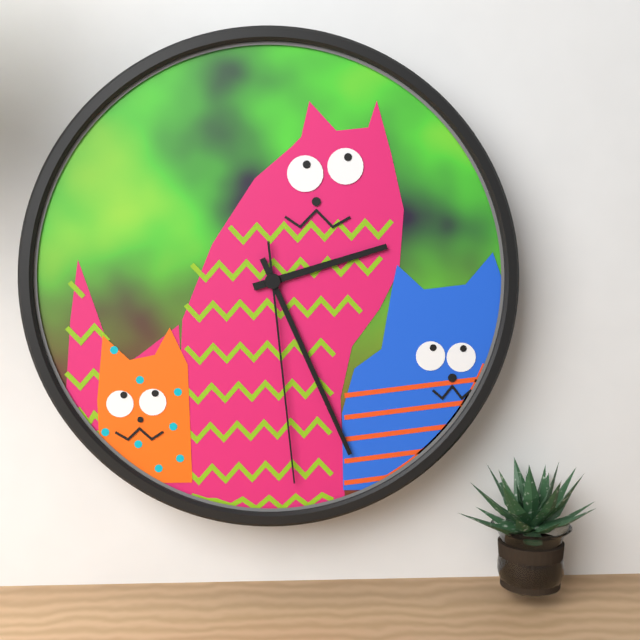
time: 2:26:29
